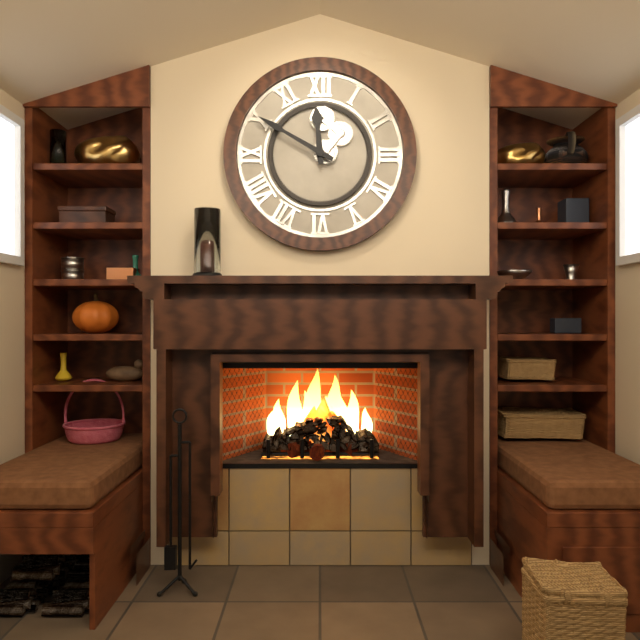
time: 11:50
